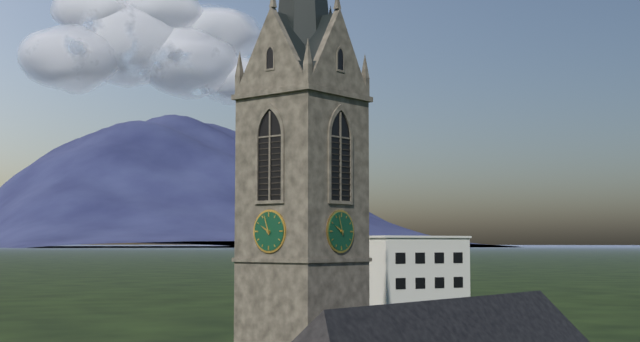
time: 9:57
